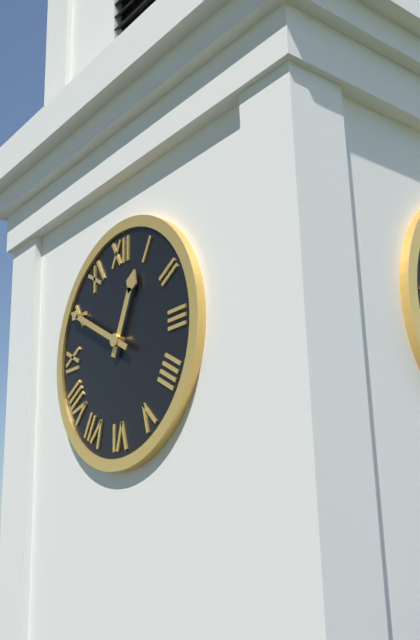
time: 12:50
